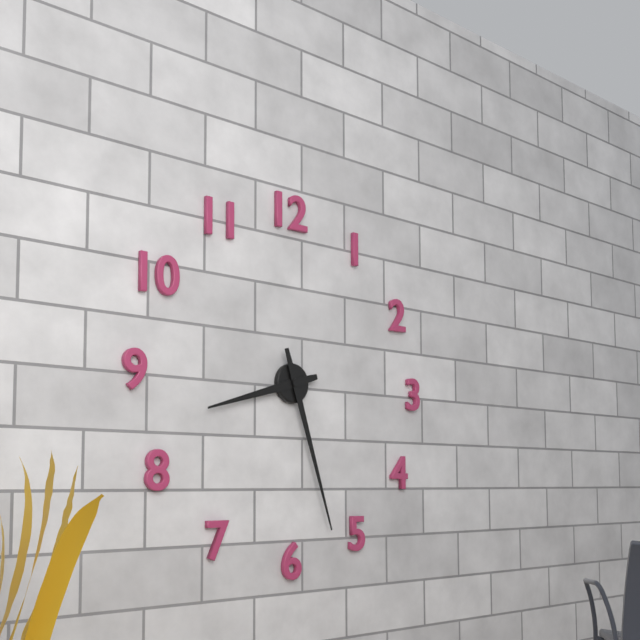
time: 8:27
